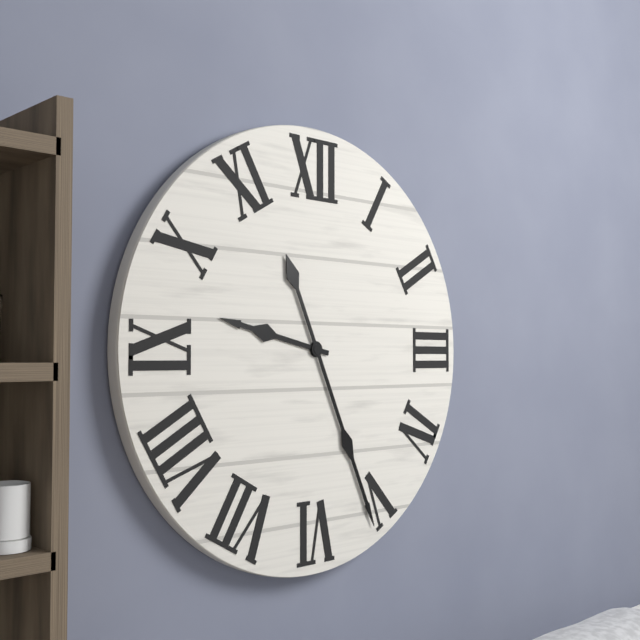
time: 9:26
